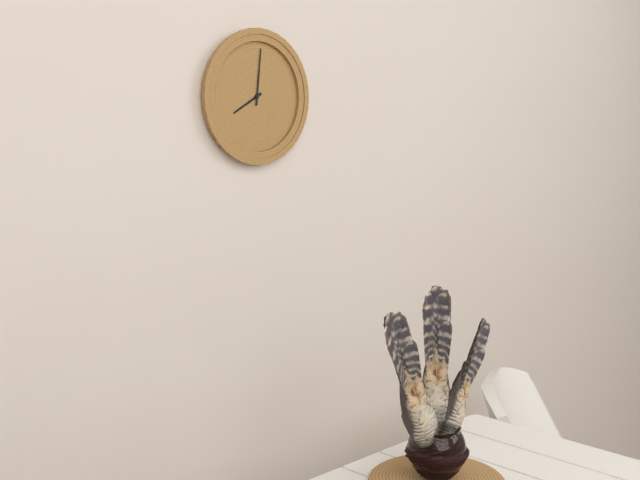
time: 8:01
